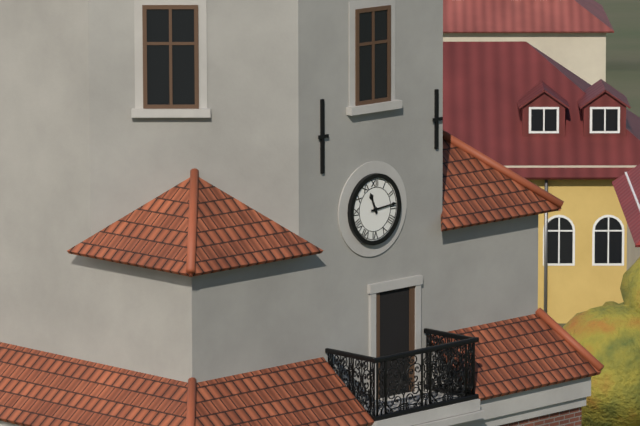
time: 11:14
